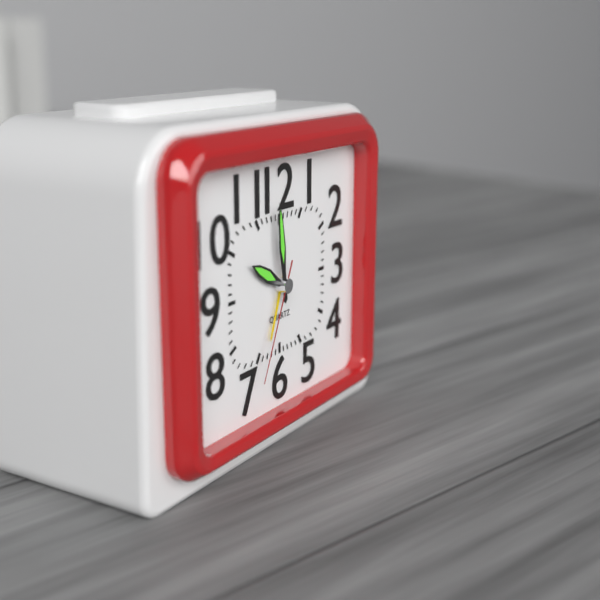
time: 9:59:34
